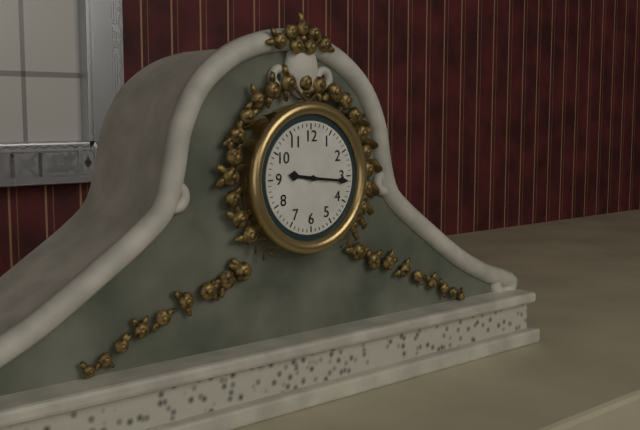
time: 9:16
